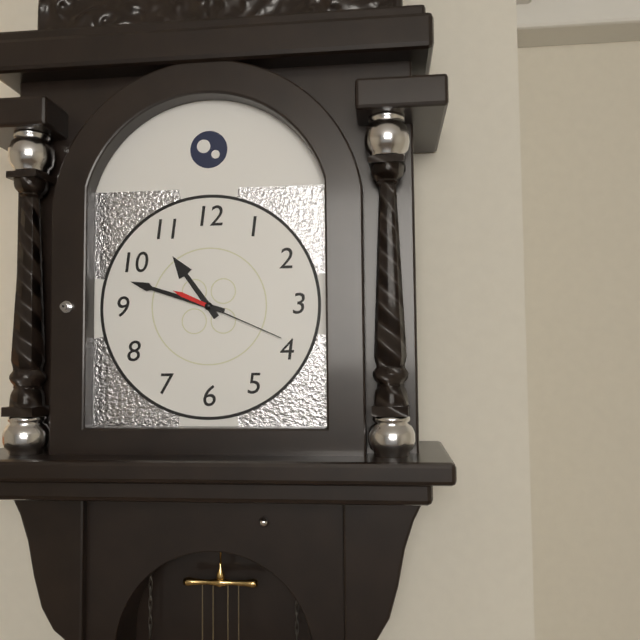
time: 10:48:19
